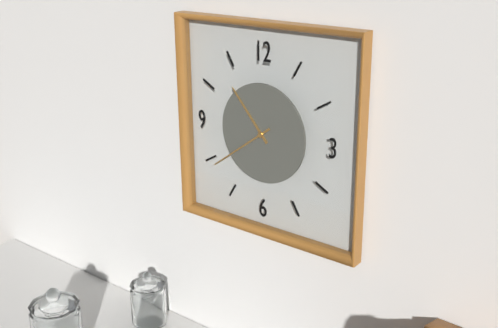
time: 10:39
